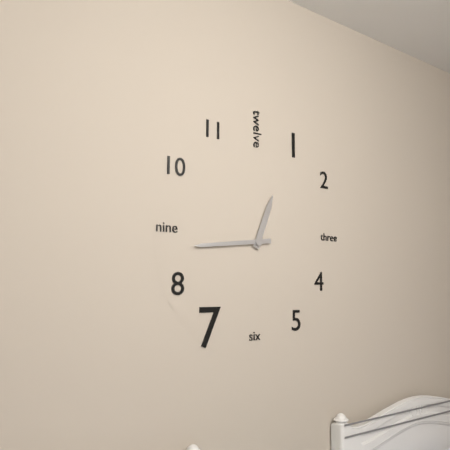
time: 12:44
